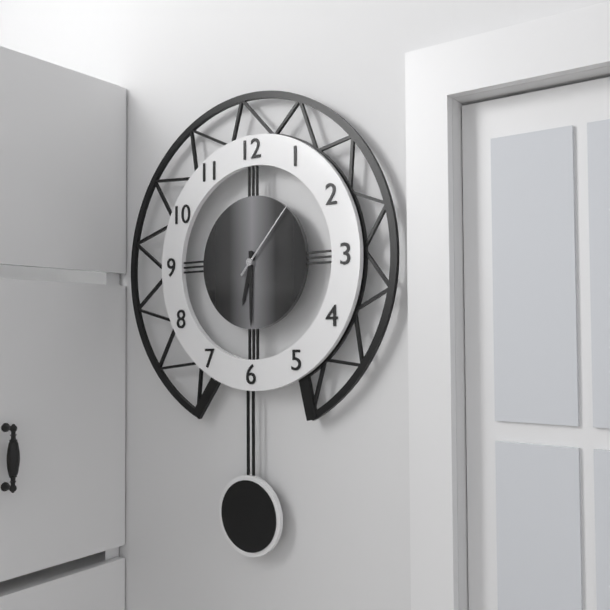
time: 6:30:07
